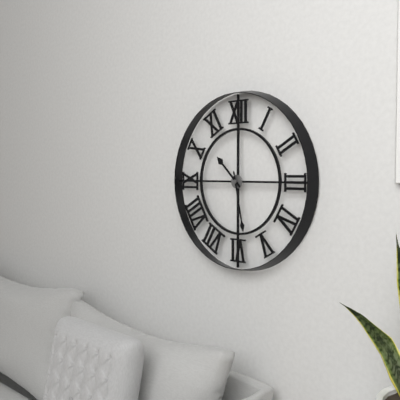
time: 10:28
